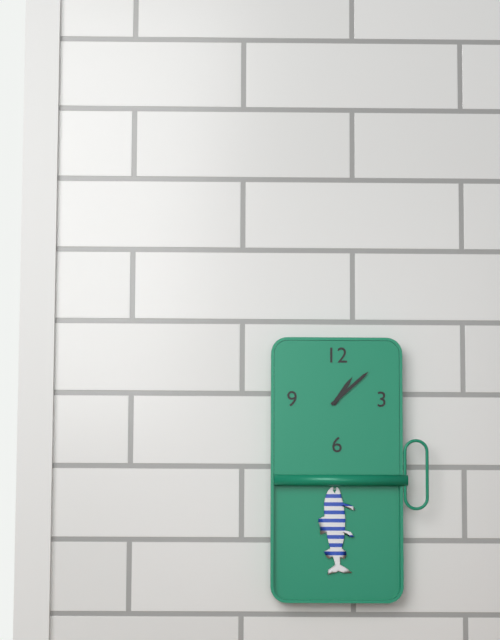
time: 1:08
